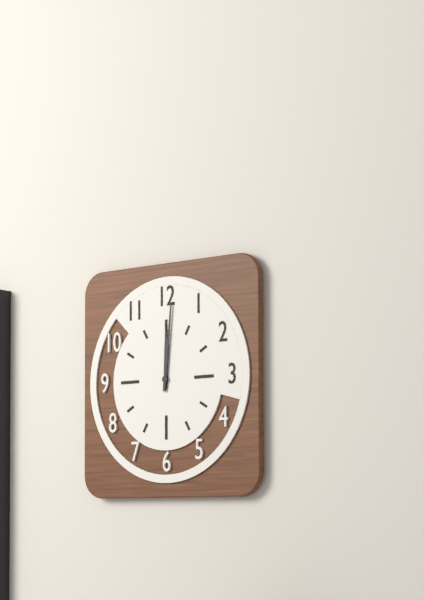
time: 12:01
